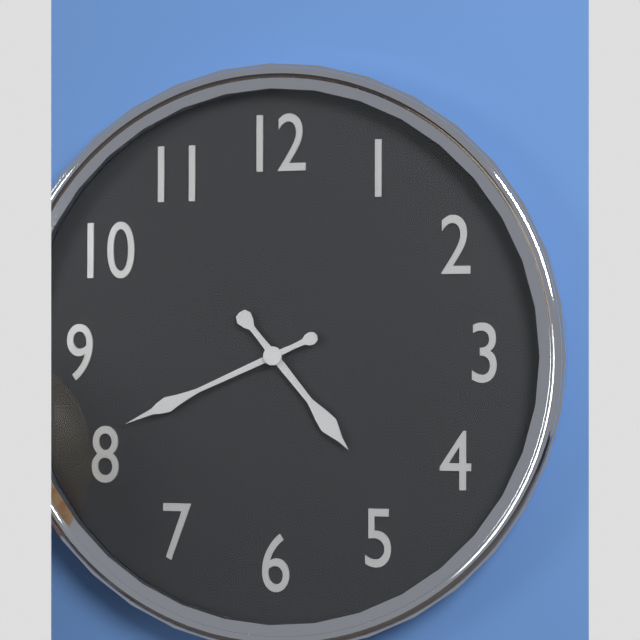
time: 4:41
